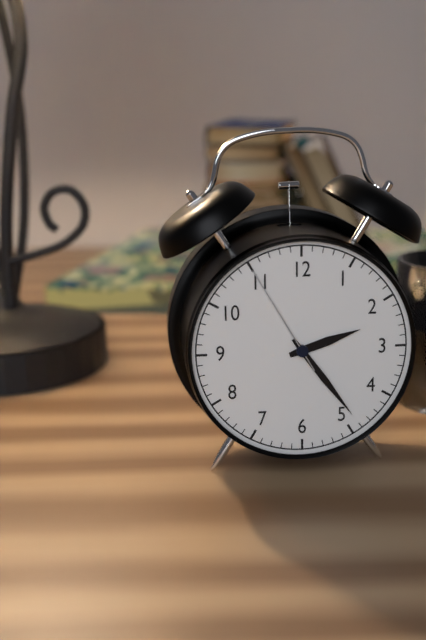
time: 2:24:55
